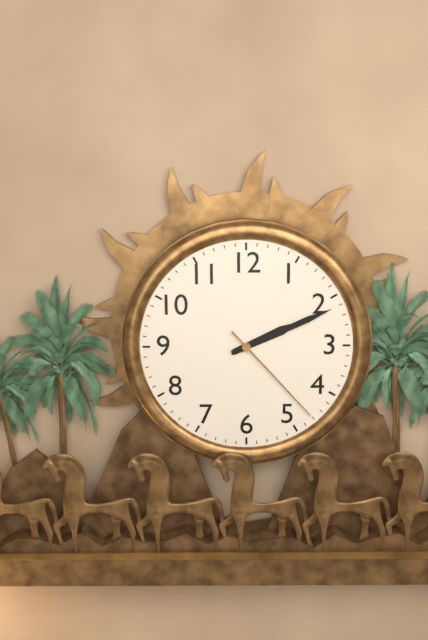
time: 2:11:23
